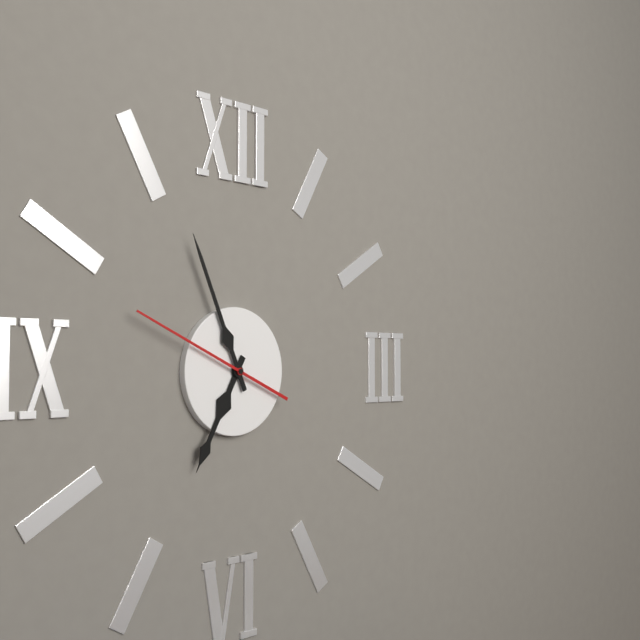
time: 6:56:49
